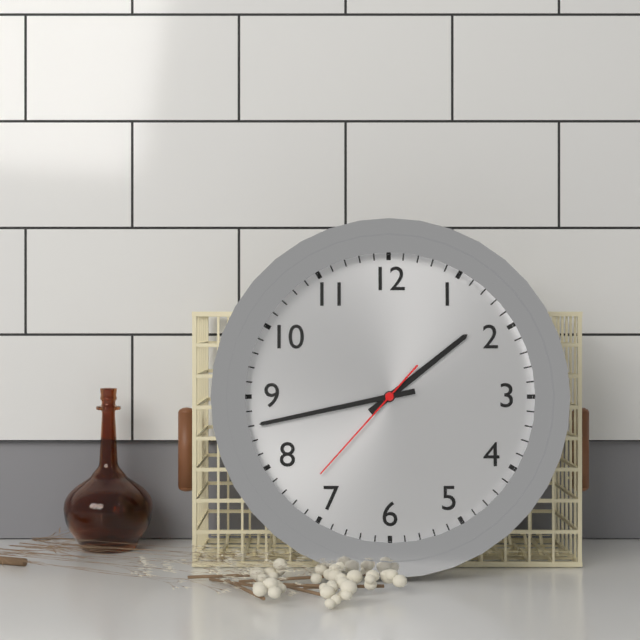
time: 1:43:37
